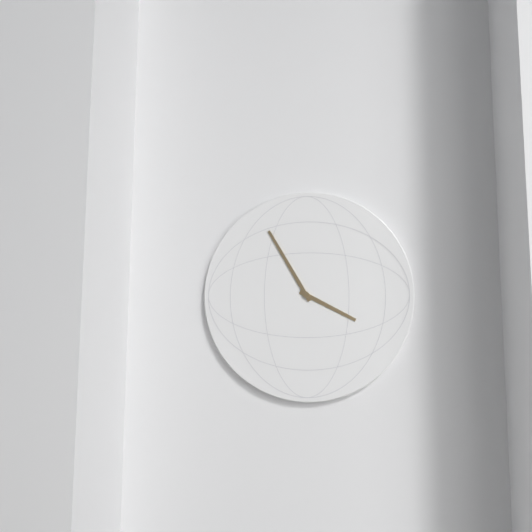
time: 3:55
